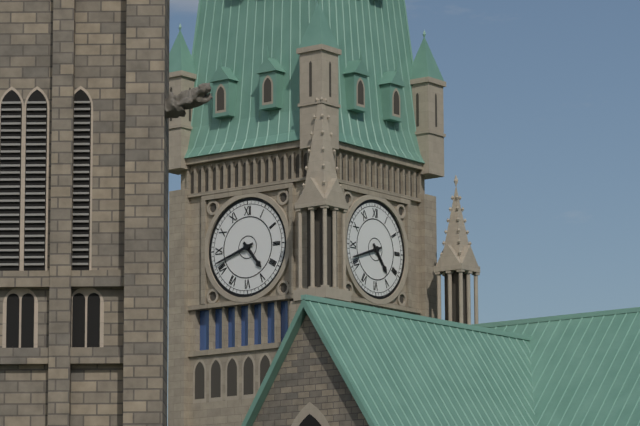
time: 4:42
